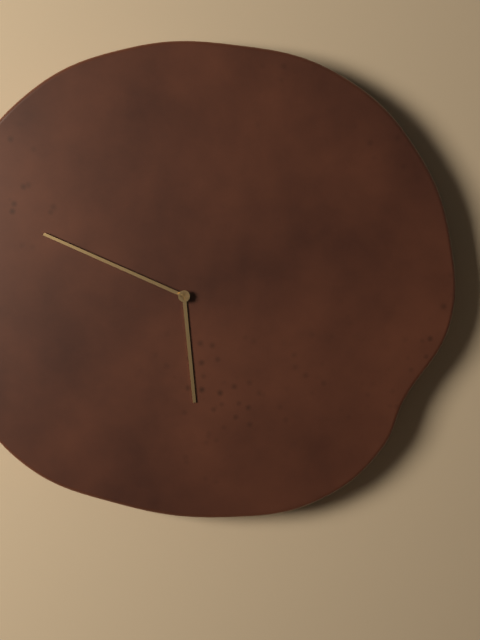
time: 5:49
